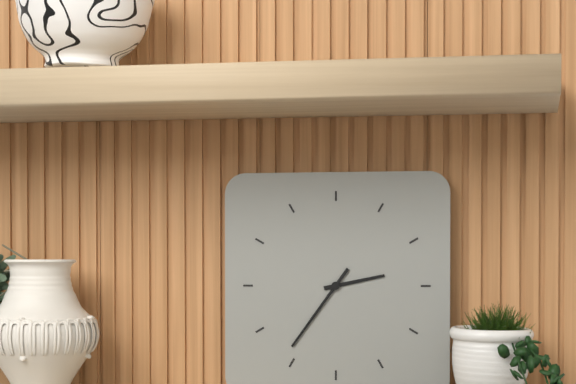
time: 2:36
